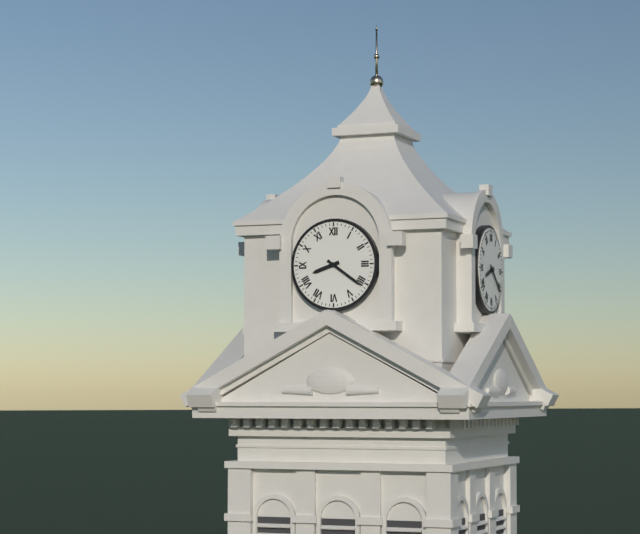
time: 8:21
